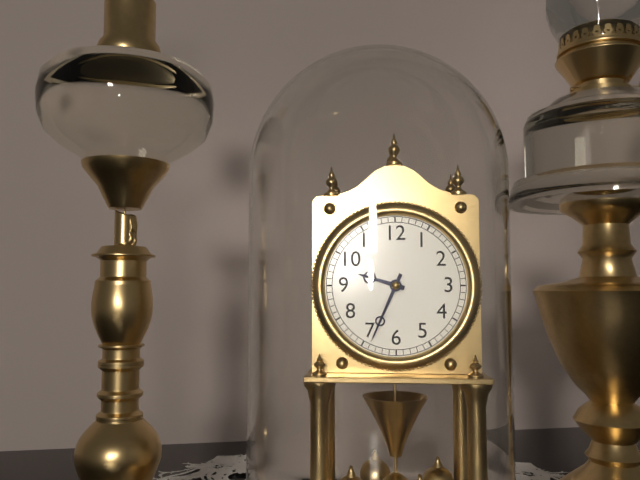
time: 9:34
